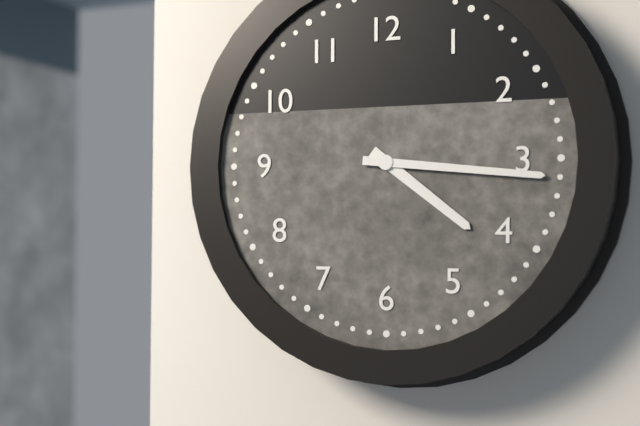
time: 4:16
